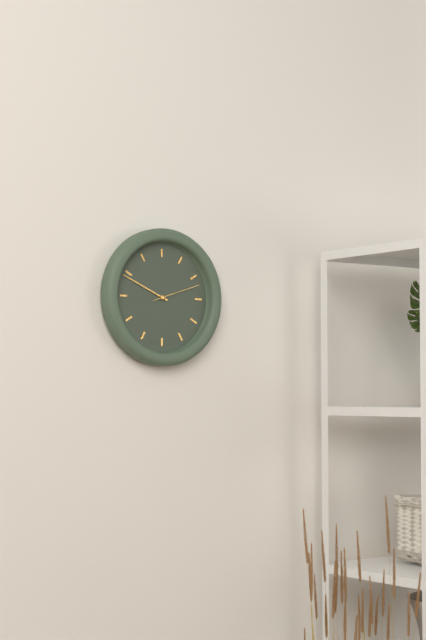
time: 9:49
